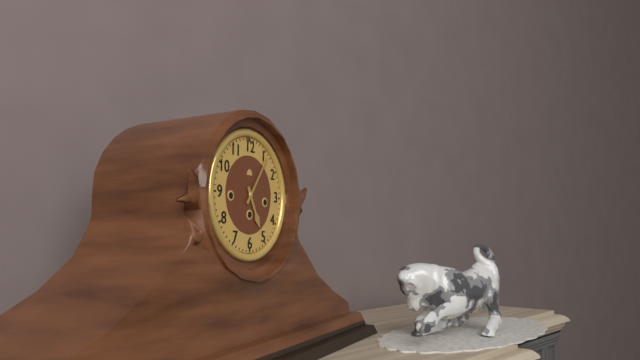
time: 5:06
